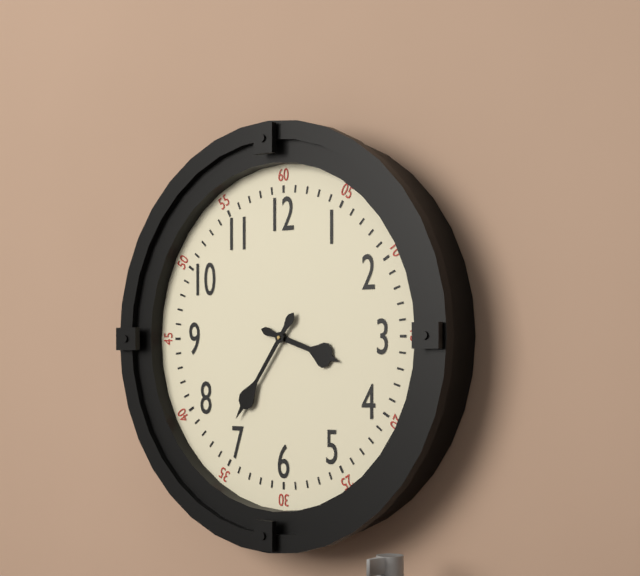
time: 3:36
